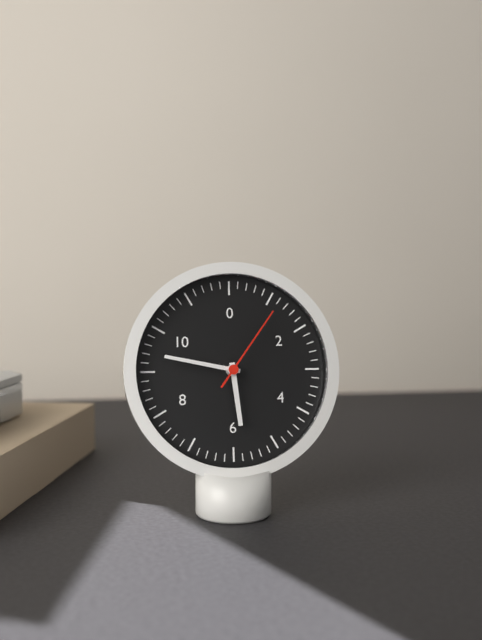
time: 5:47:06
